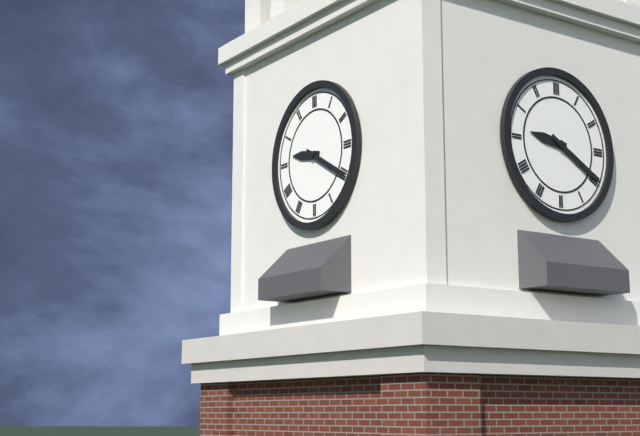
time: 9:20
